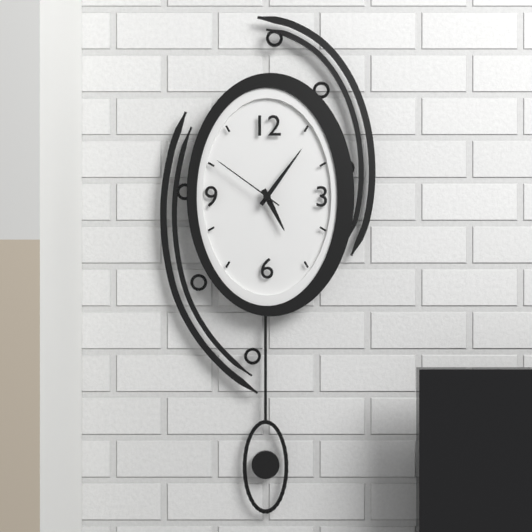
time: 5:06:51
